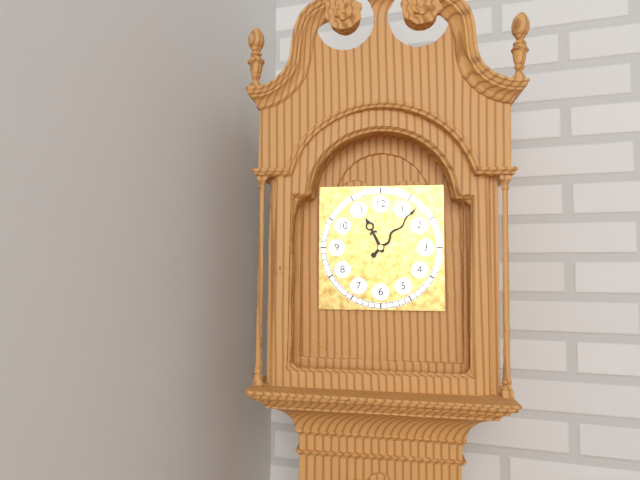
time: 11:07
